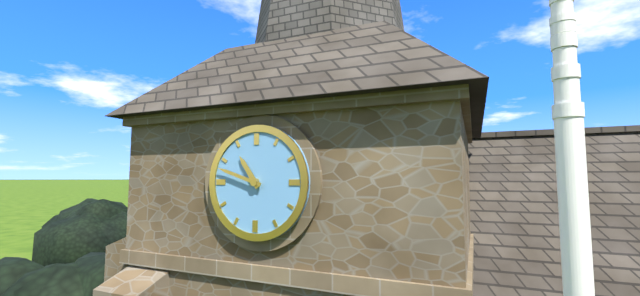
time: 10:48
